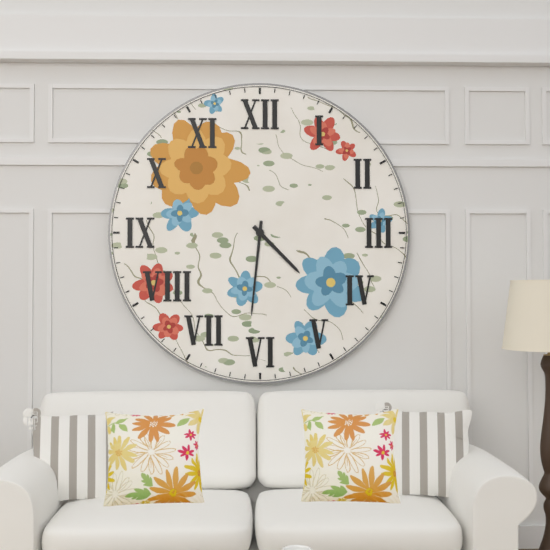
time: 4:31
